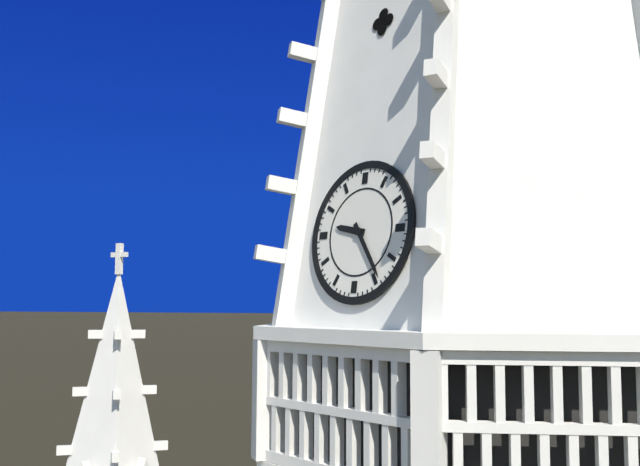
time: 9:24
